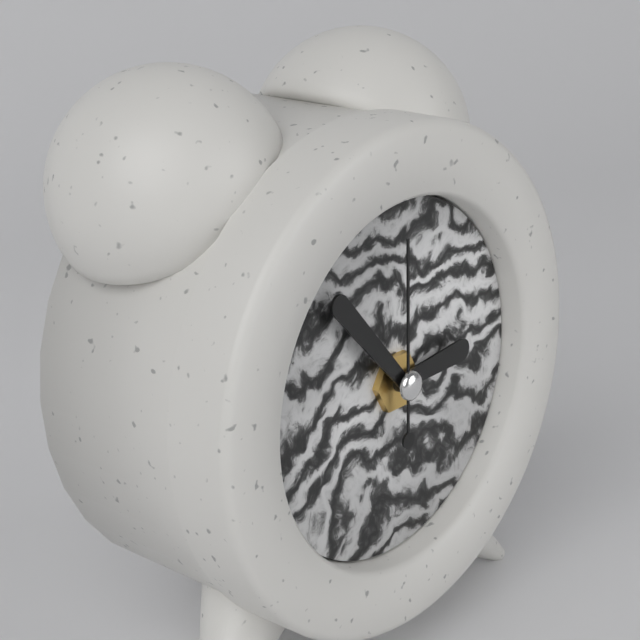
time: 2:53:00
